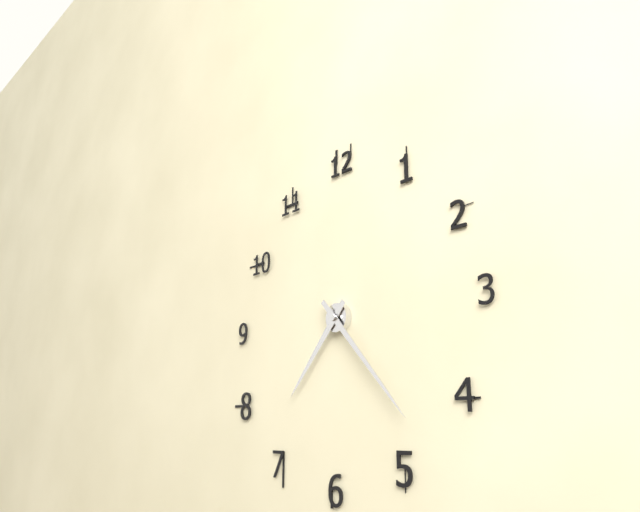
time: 7:23
